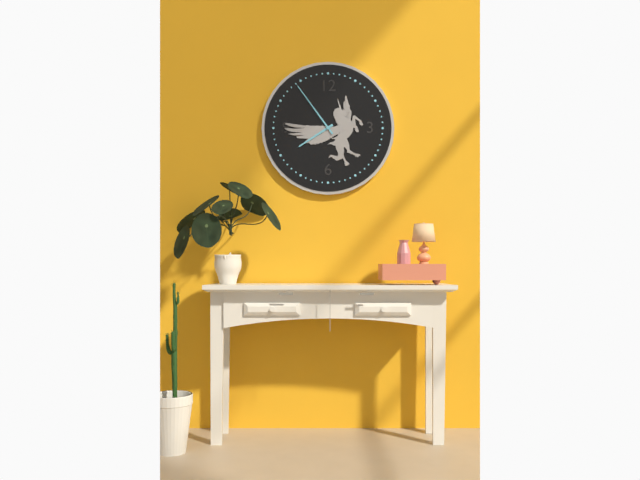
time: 7:54
